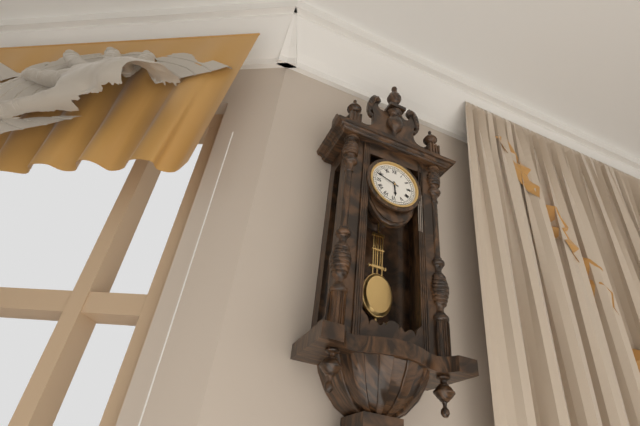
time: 5:48
